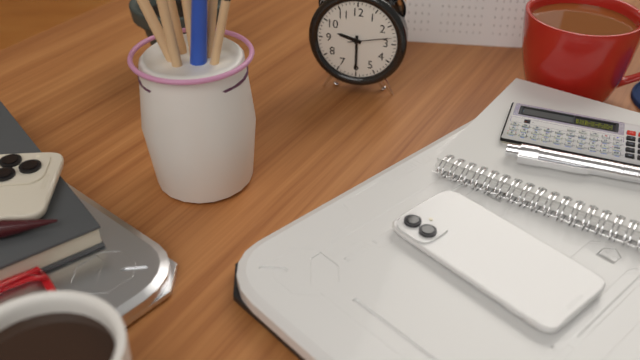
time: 9:30
